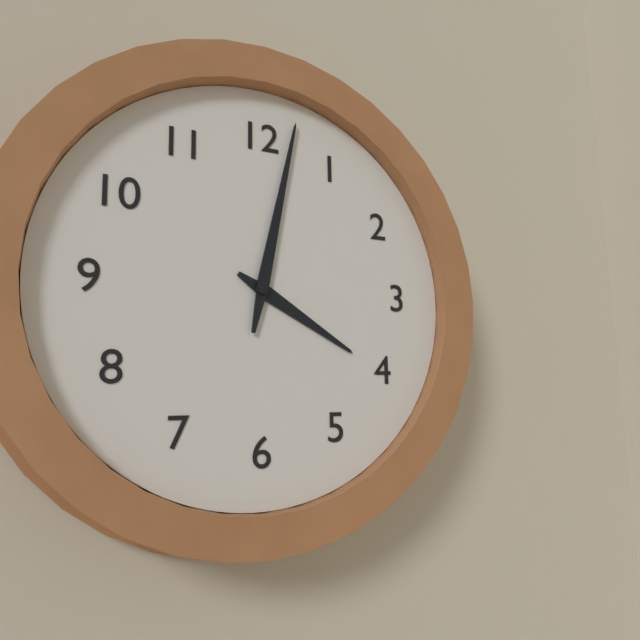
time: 4:02
